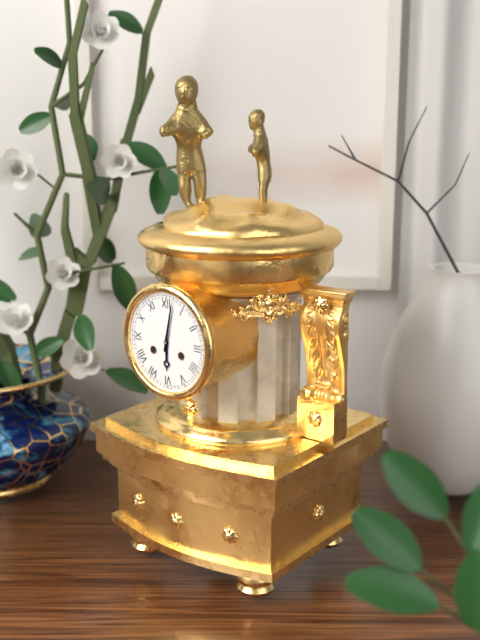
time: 6:02
